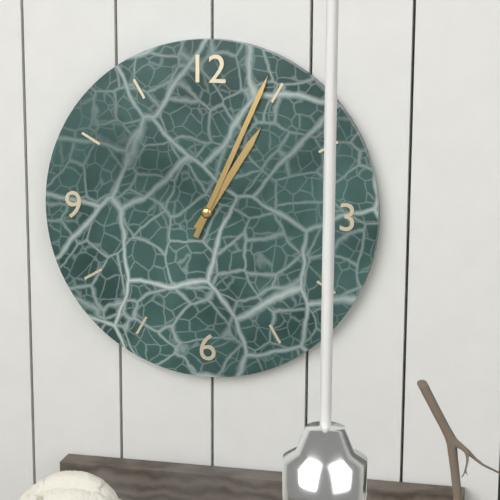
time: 1:04
